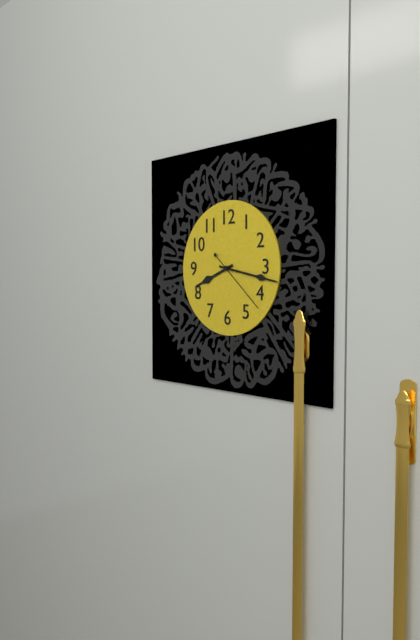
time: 8:17:22
